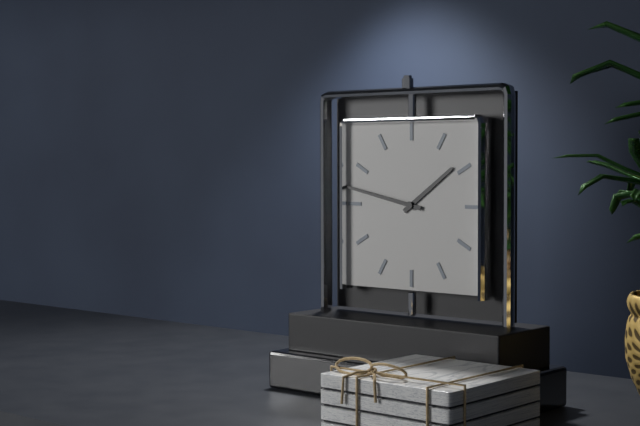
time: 1:47
